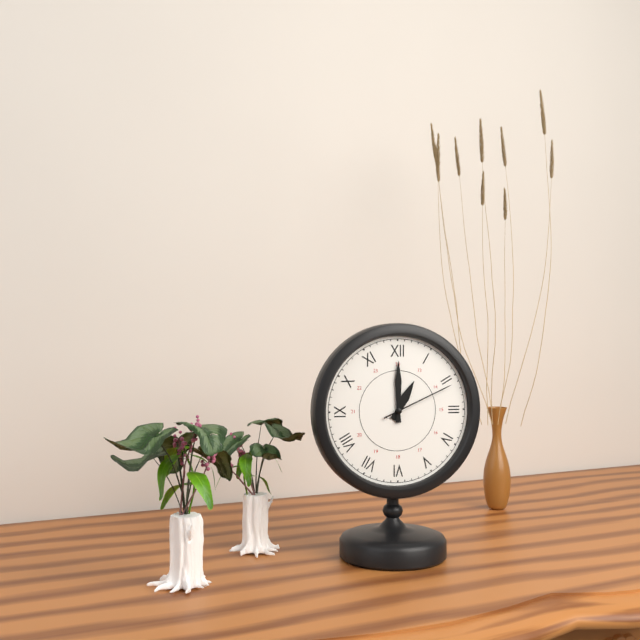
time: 1:00:11
